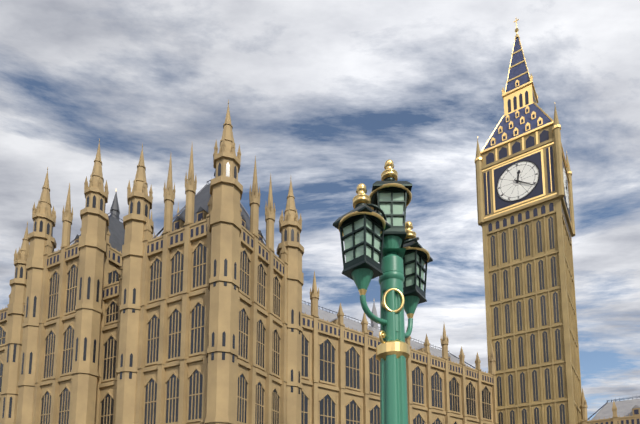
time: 12:21
